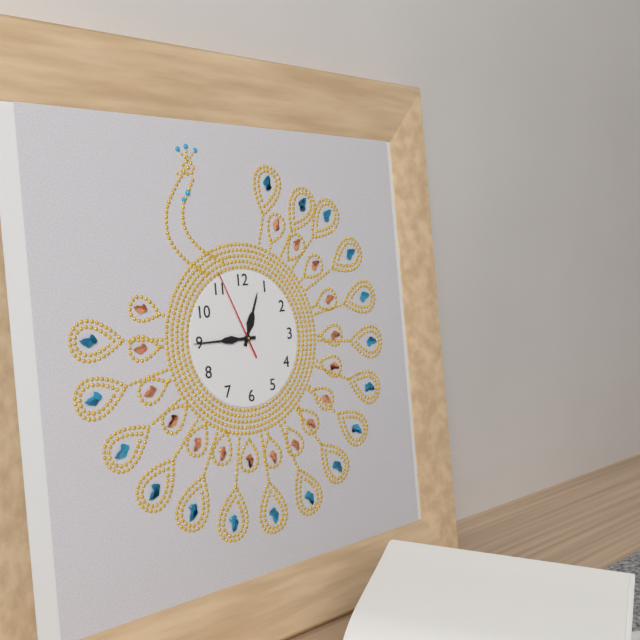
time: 12:45:56
